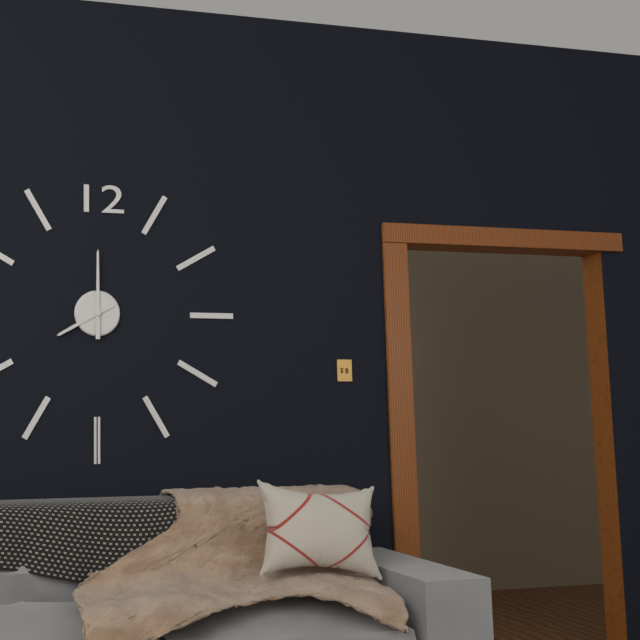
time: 8:00
